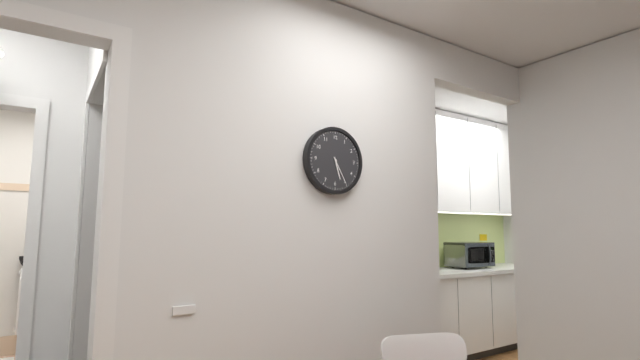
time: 5:25
